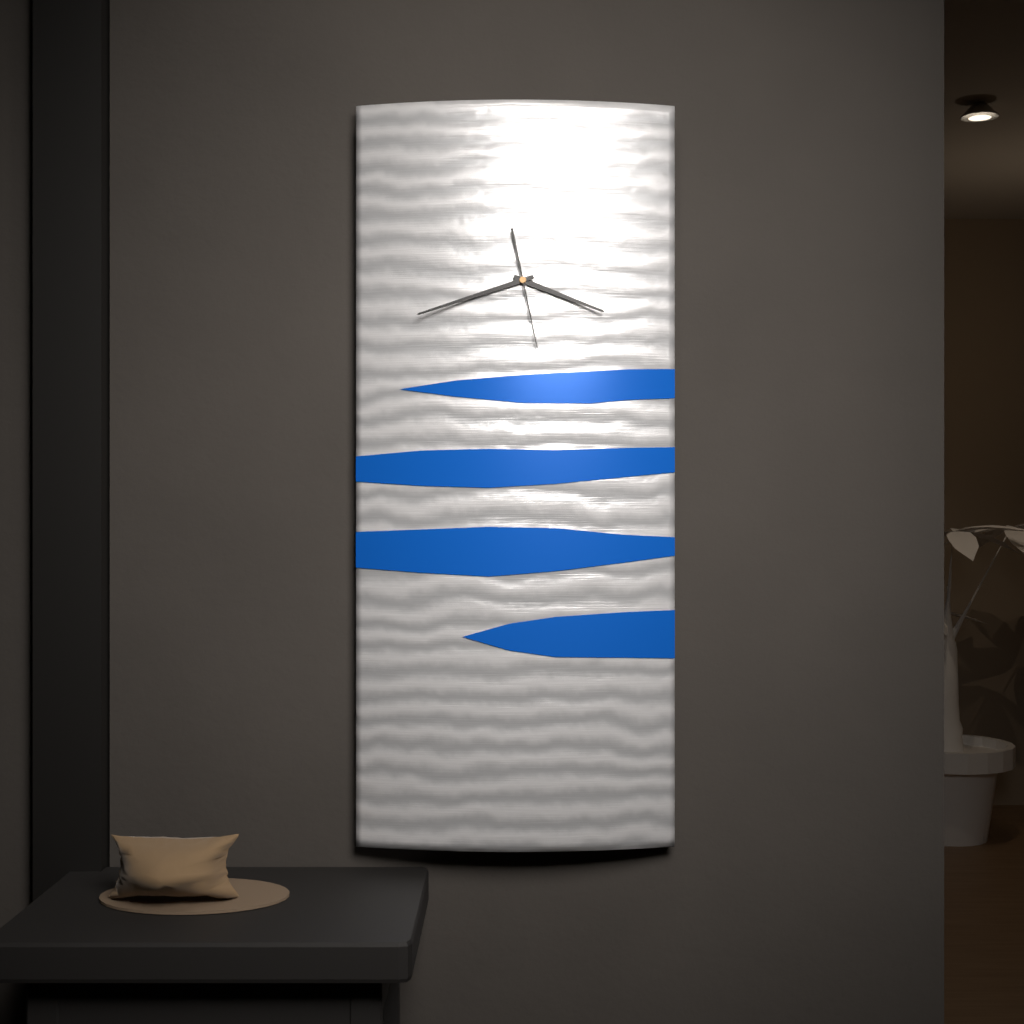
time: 3:42:28
